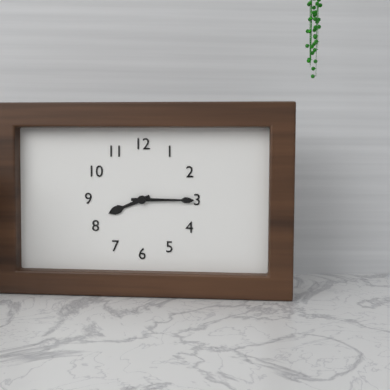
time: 8:15
